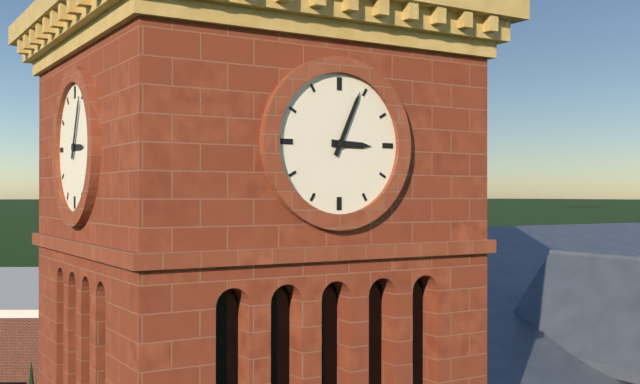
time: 3:04
